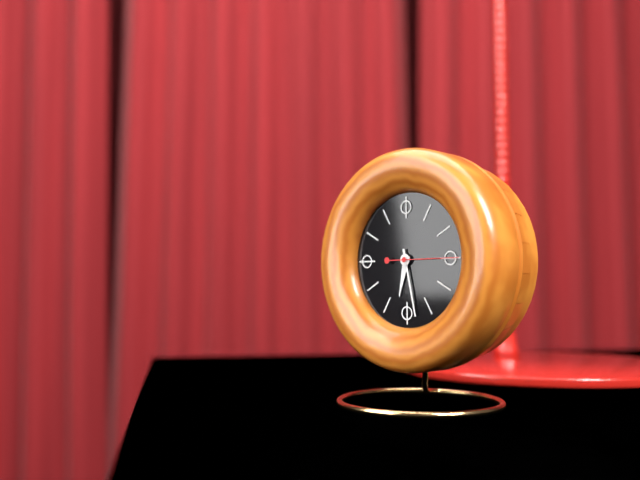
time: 6:28:15
